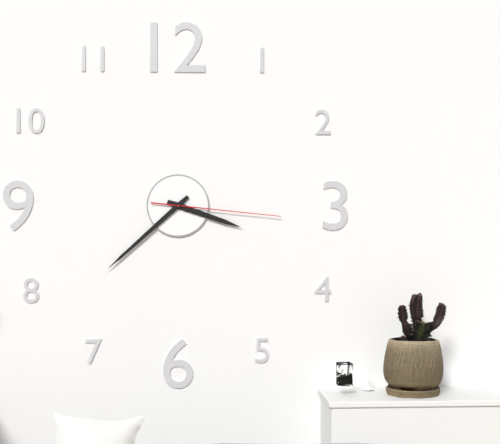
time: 3:38:16
